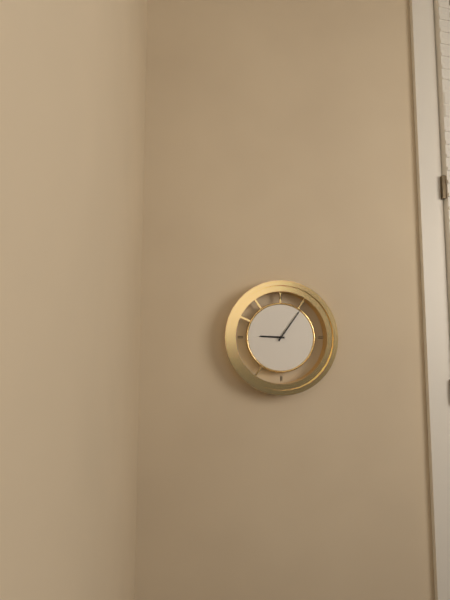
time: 9:06
